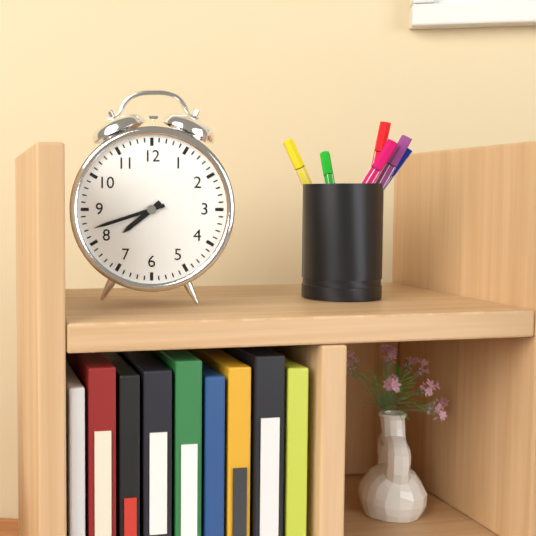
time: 7:42
